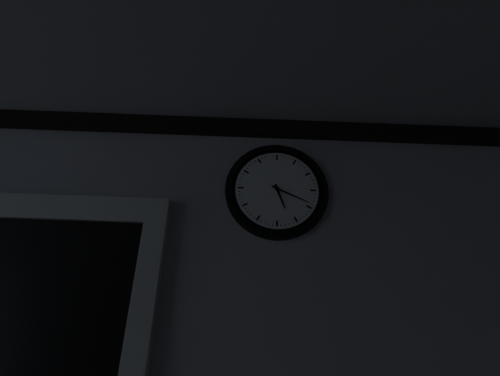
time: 5:19
